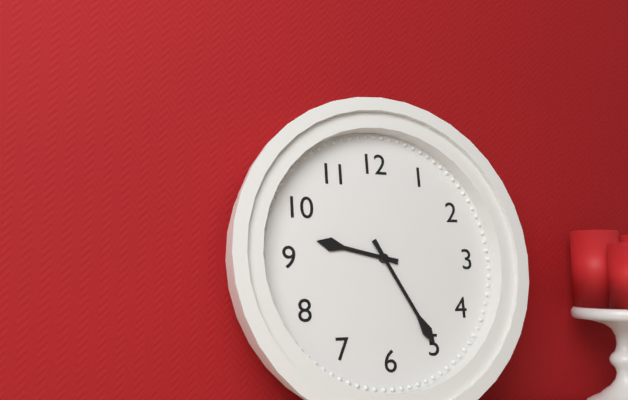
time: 9:25
